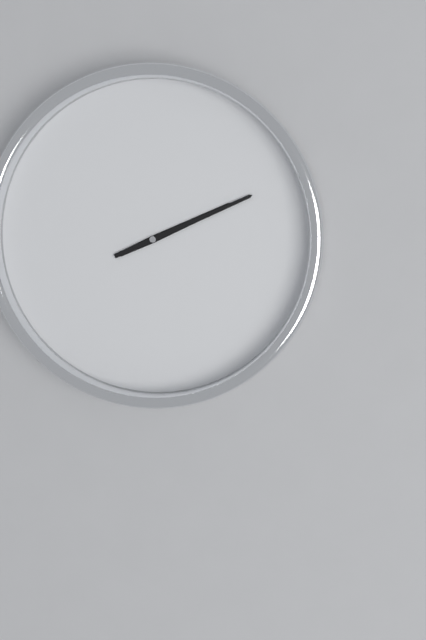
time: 2:11
